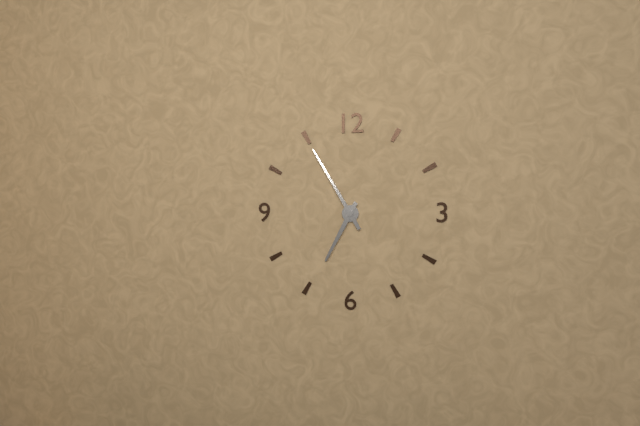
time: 6:55
